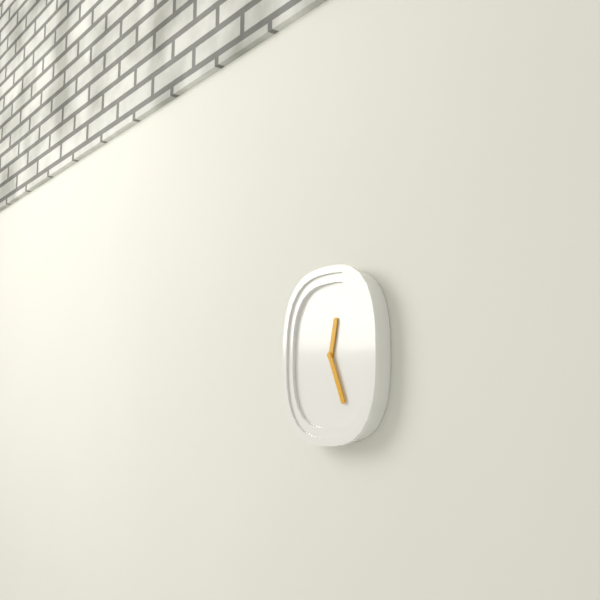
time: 12:26
